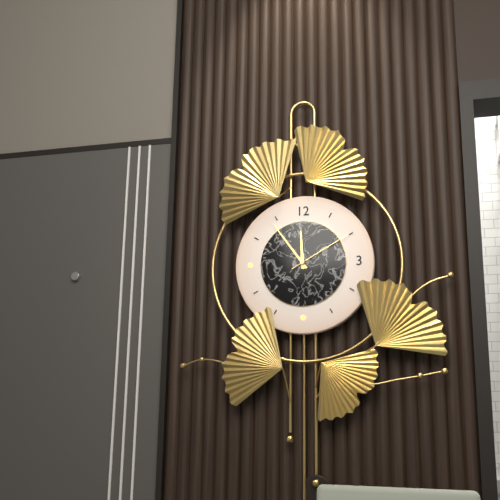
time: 11:54:10
